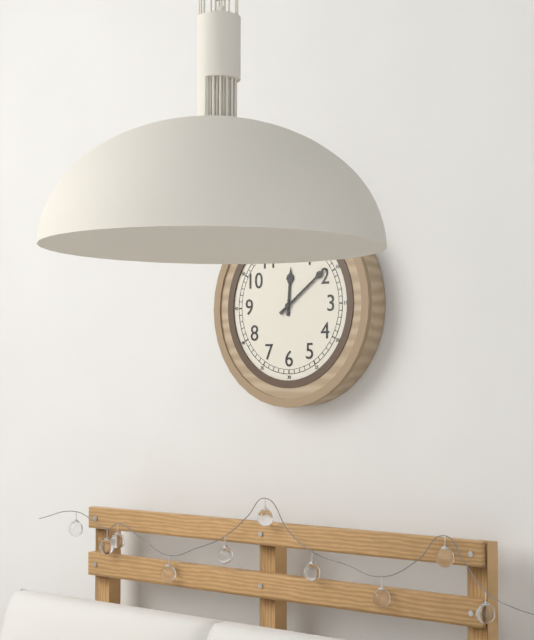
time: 12:09
